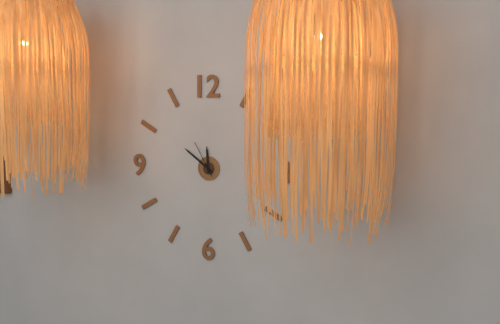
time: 11:51
